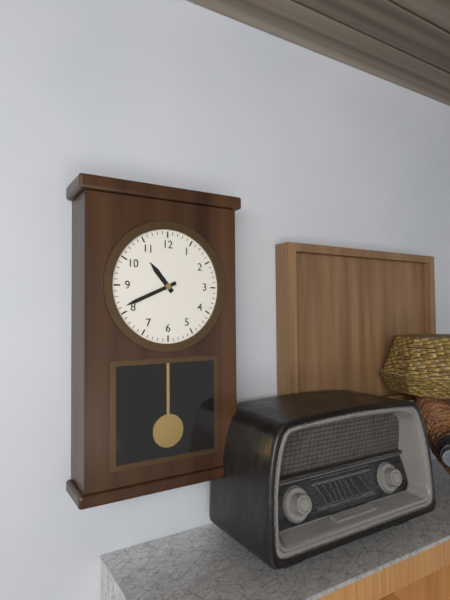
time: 10:41
